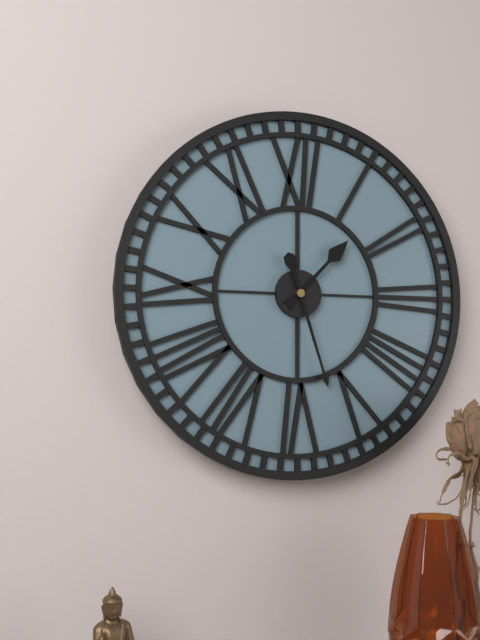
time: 1:27
